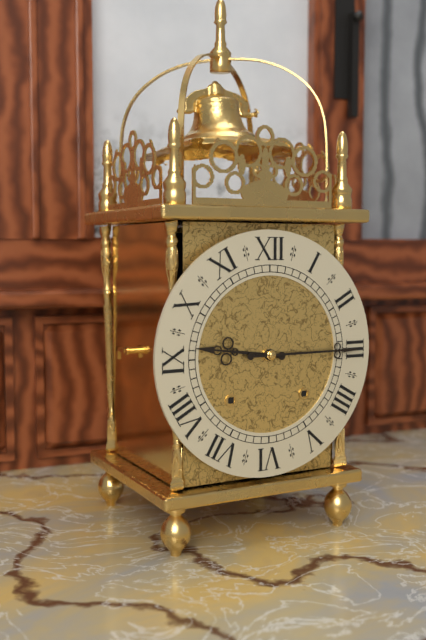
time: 9:15
